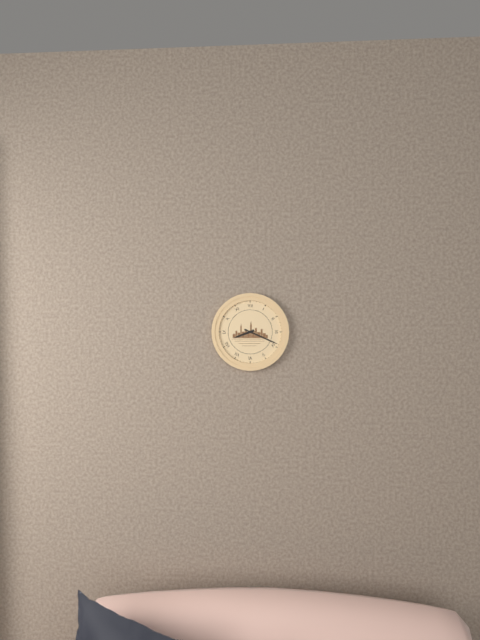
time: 8:19
